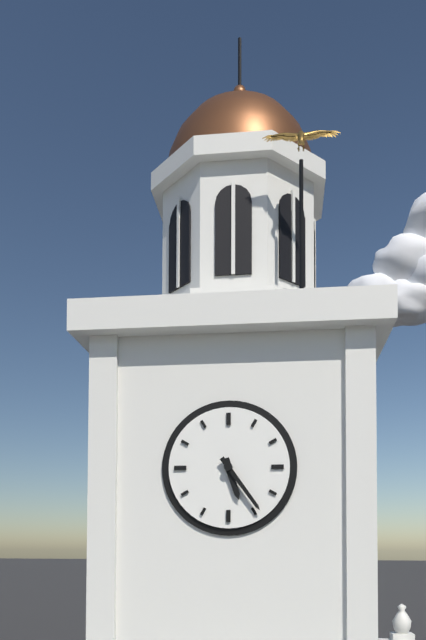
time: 5:24
